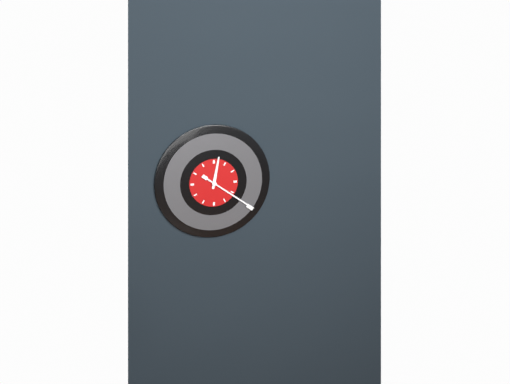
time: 12:21
